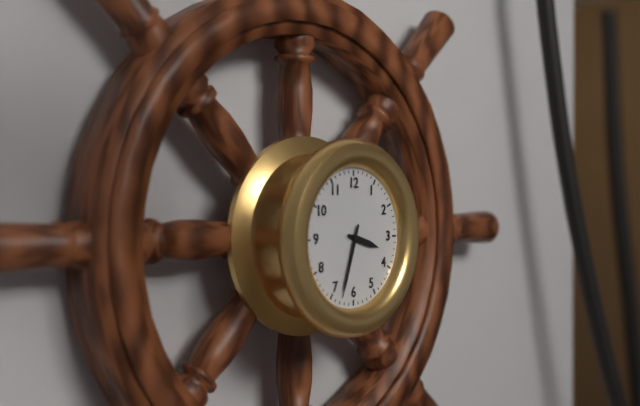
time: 3:33
